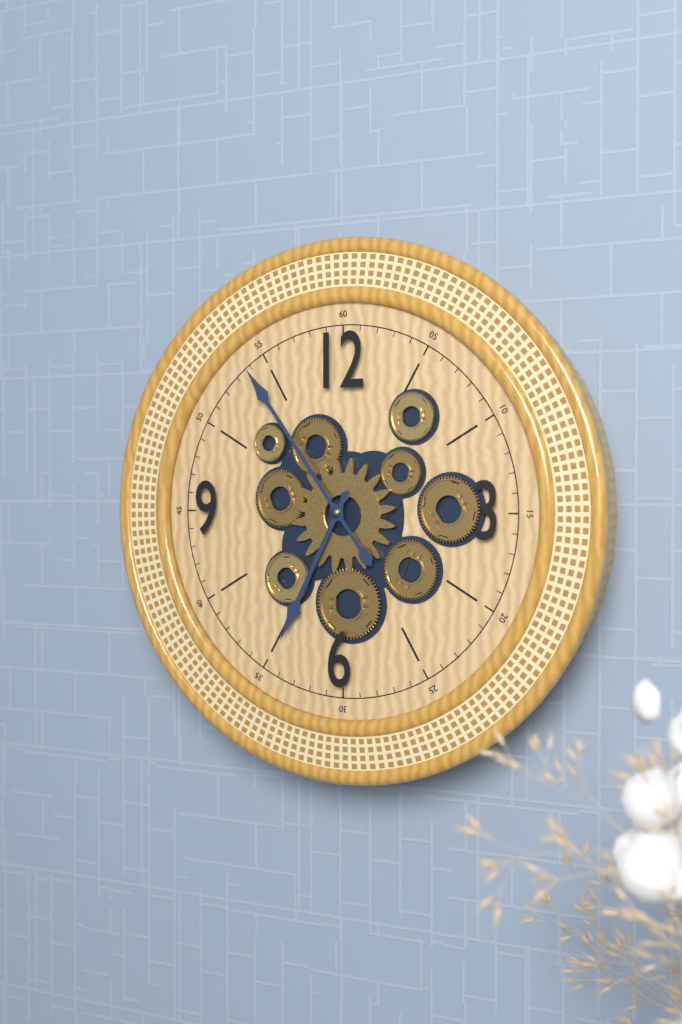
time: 6:54
